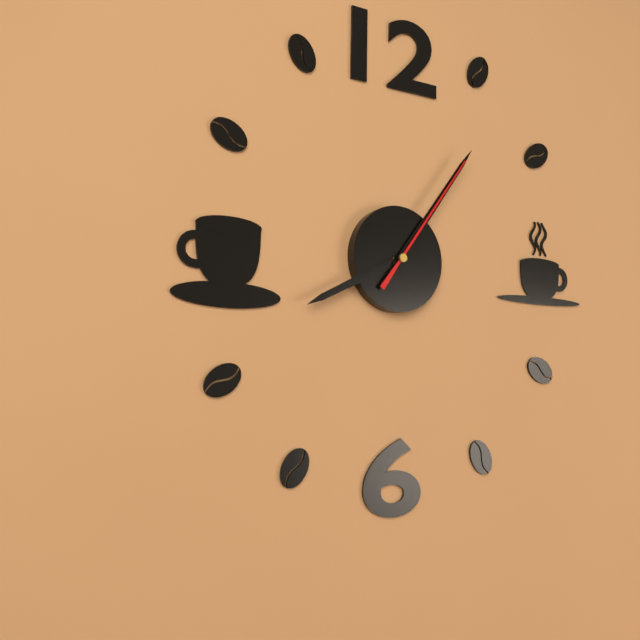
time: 8:06:06
